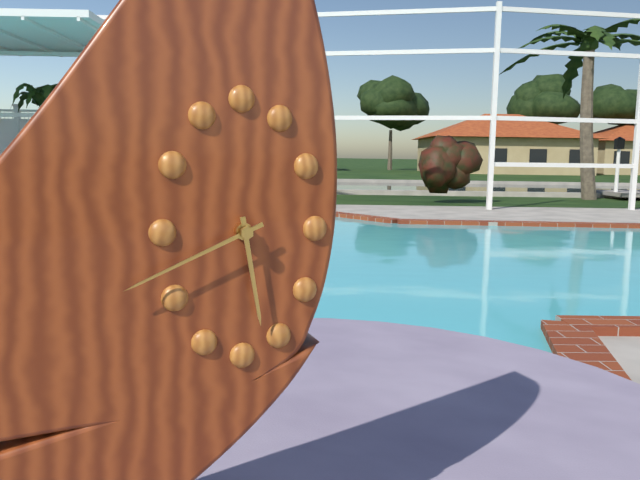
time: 5:41
